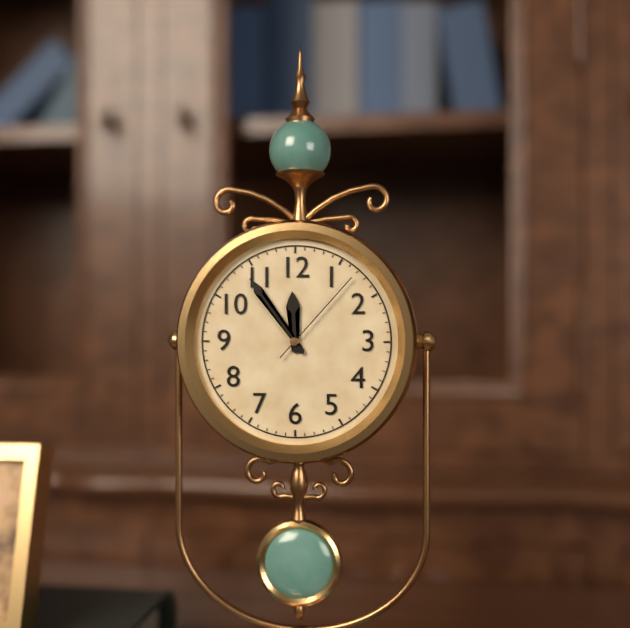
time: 11:54:07
